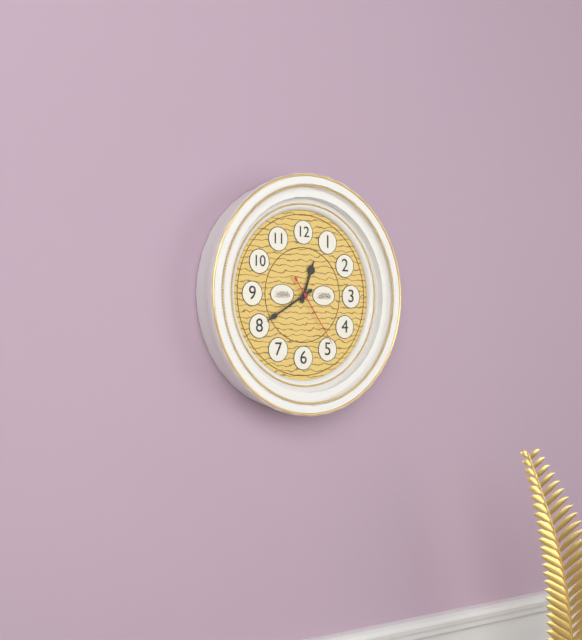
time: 12:40:24
